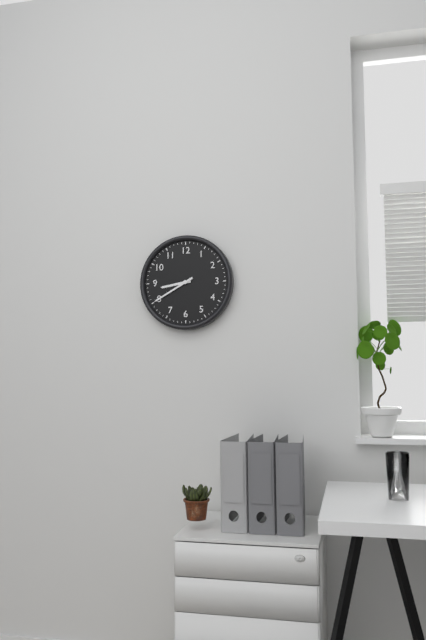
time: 8:40
